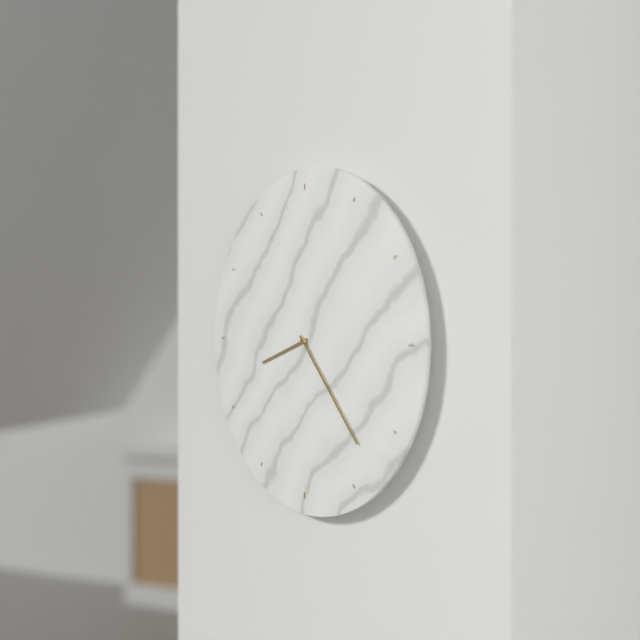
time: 8:23
